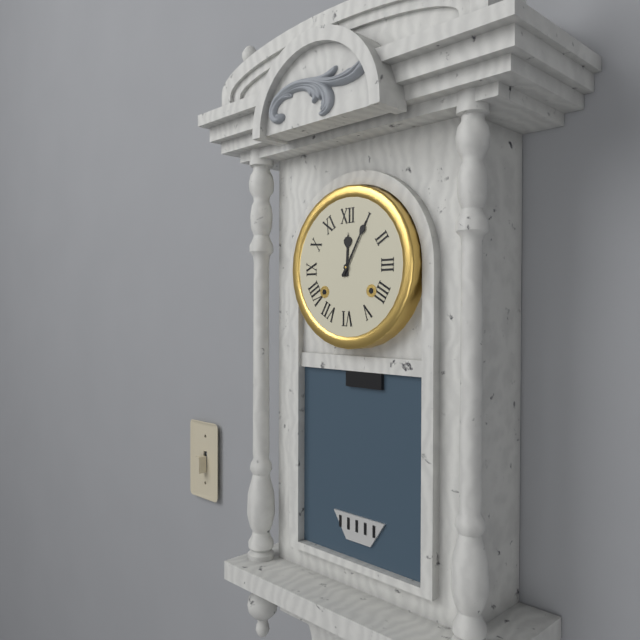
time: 12:05
